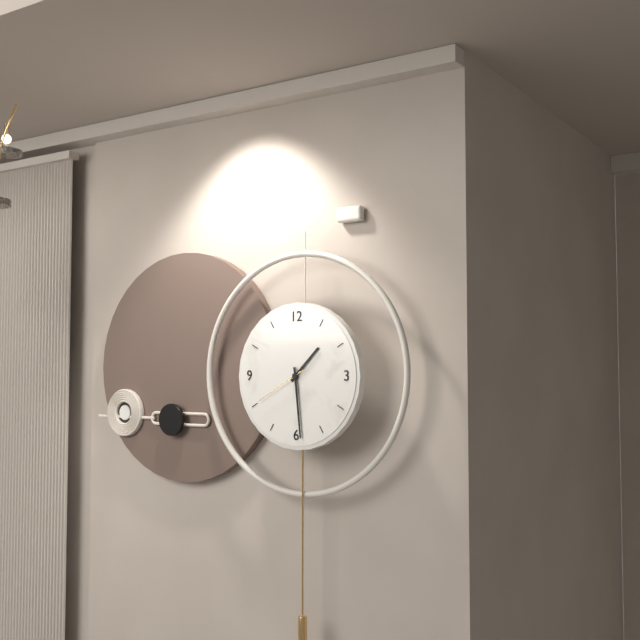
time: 1:29:40
